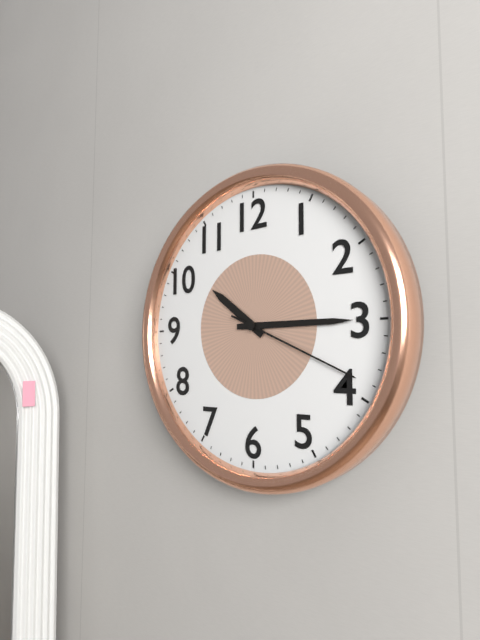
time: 10:15:19
